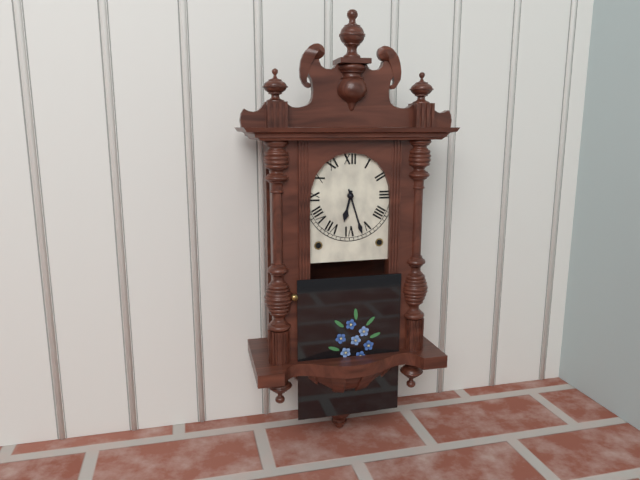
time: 6:27
